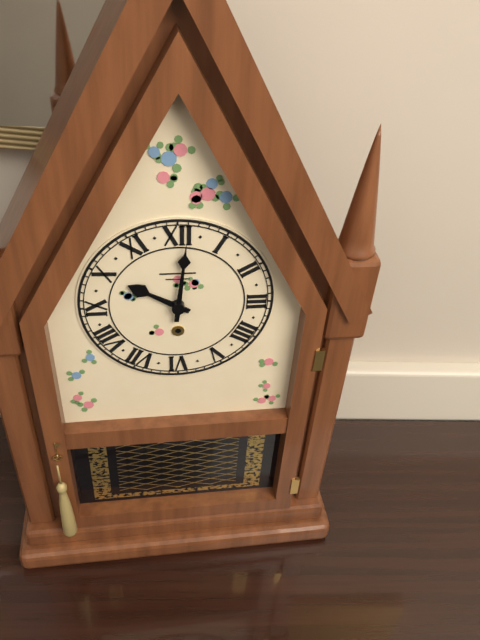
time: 10:01
